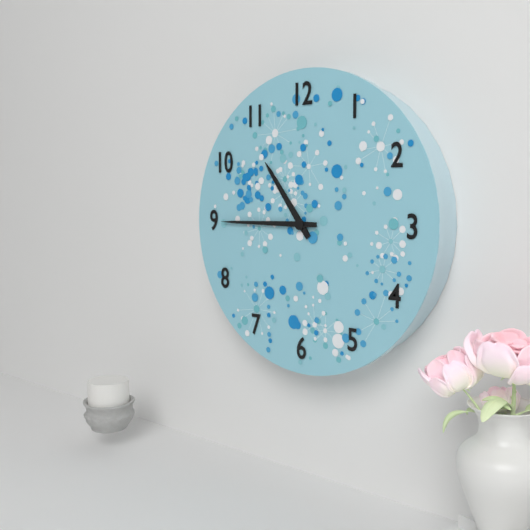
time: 10:45
